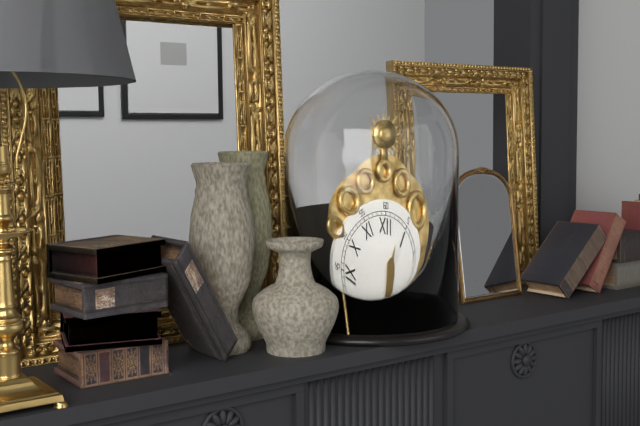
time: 12:37
